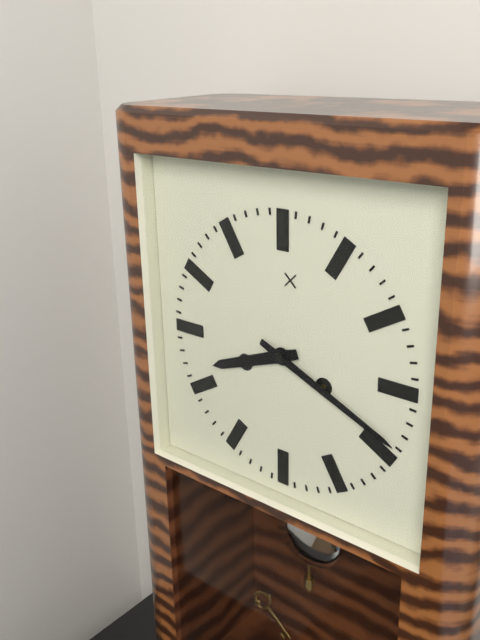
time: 8:19
